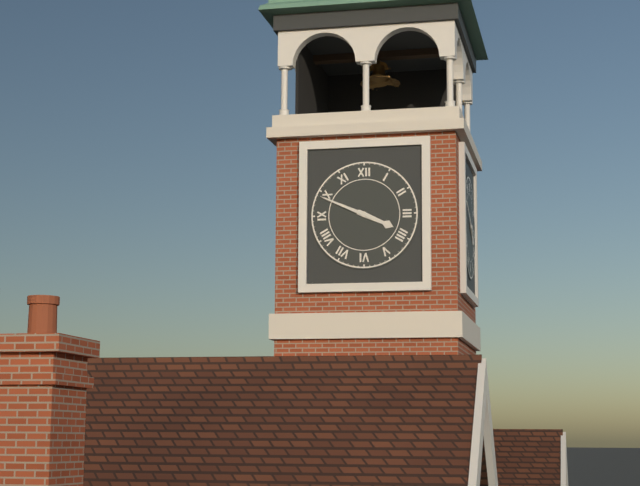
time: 3:49
